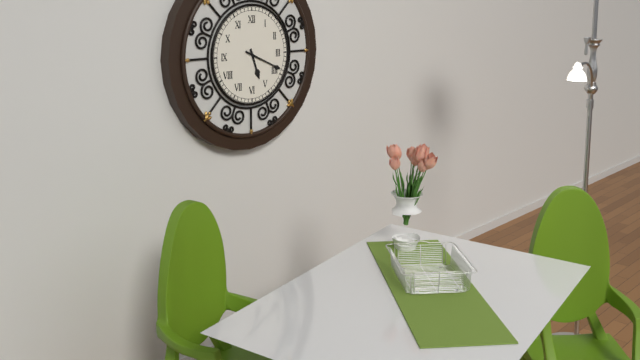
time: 5:19
